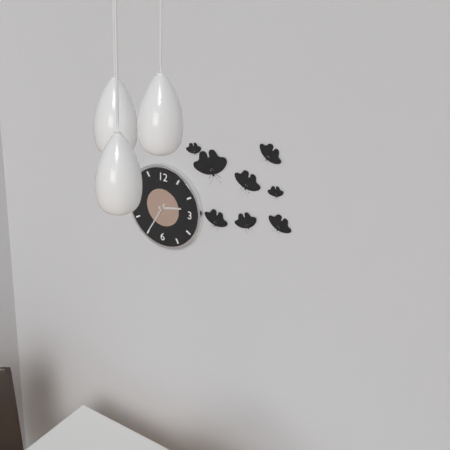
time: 2:35
